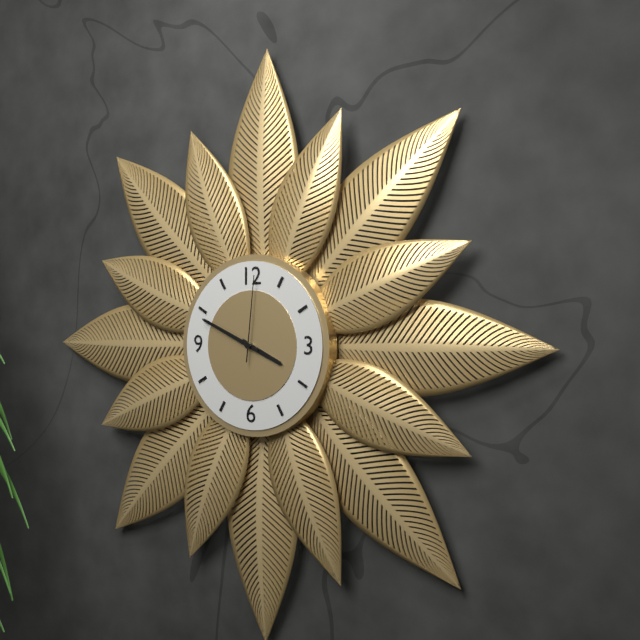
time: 3:49:01
